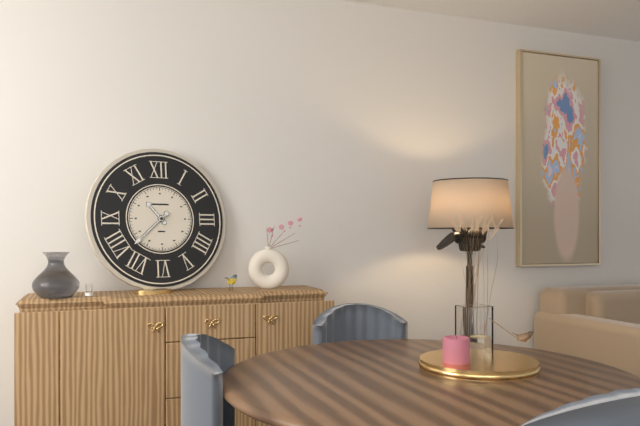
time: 10:38
